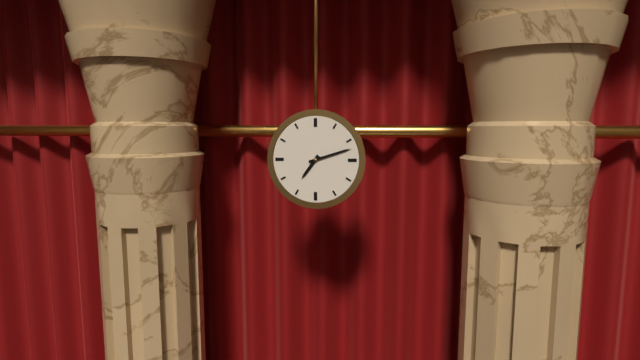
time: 7:12
